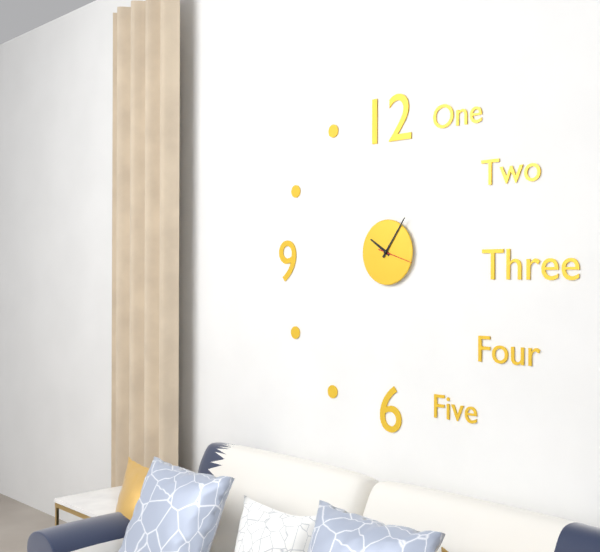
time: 10:06
